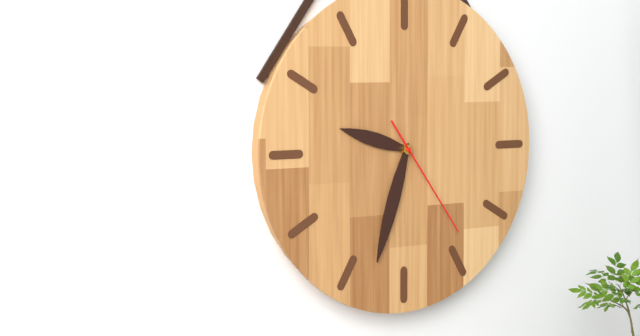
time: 9:33:24
